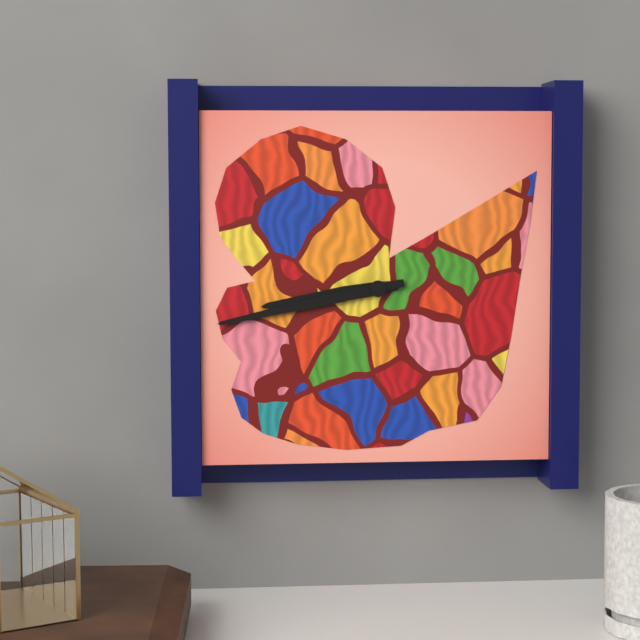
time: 8:43
